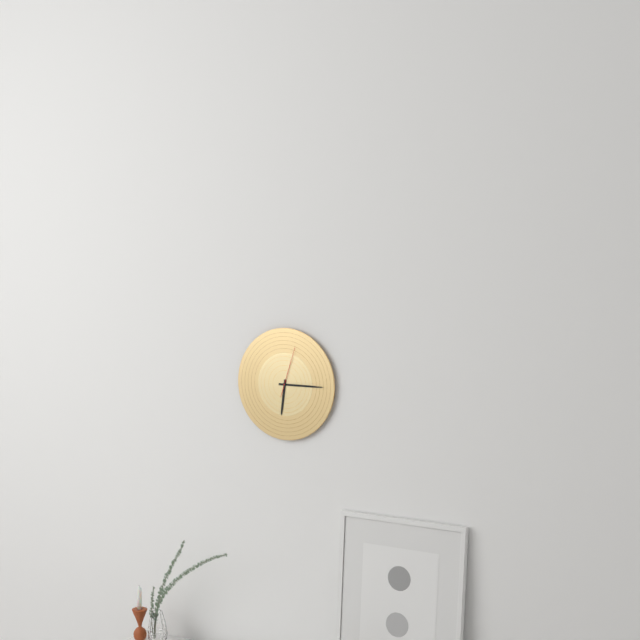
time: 6:15
